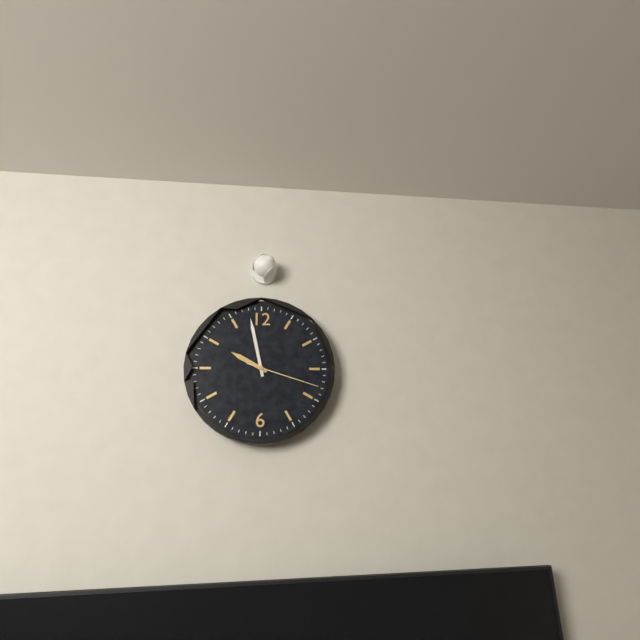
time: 9:58:18
